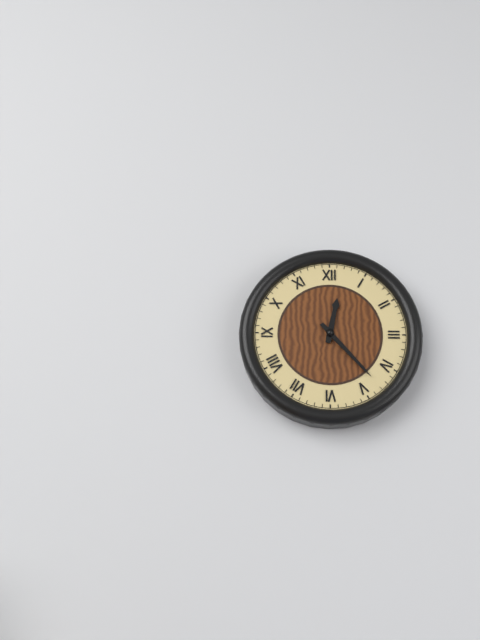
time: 12:23
